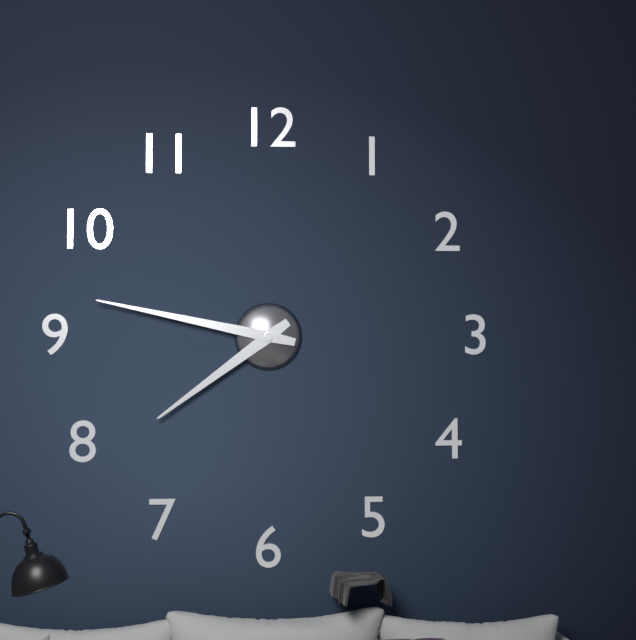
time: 7:47
